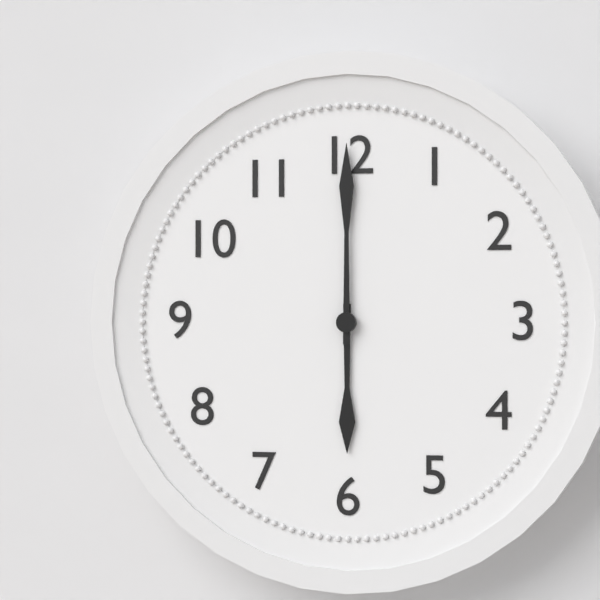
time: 6:00
